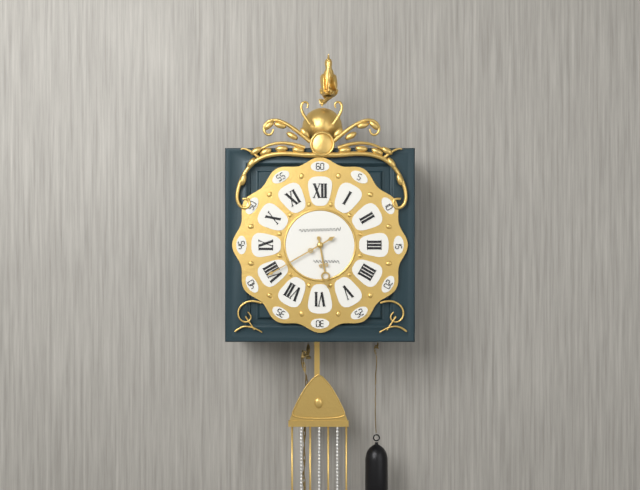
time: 5:40
